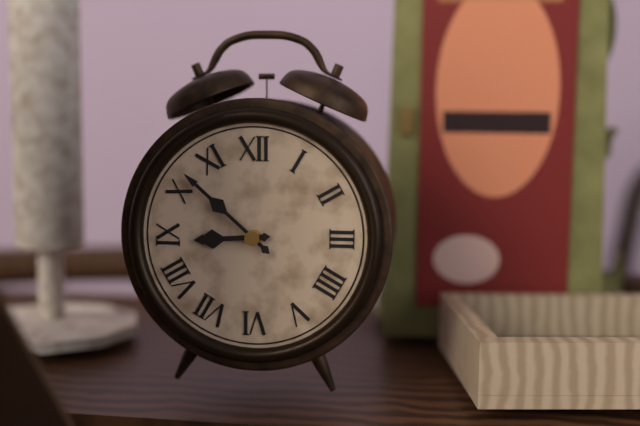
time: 8:52
